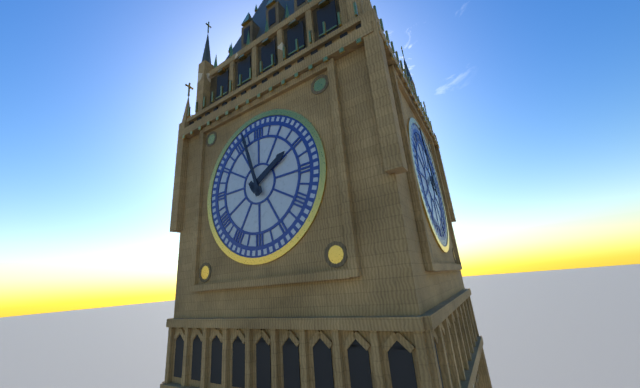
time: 1:57
